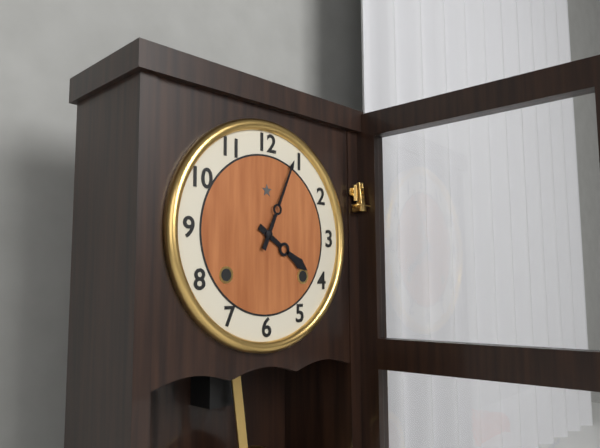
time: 4:04
